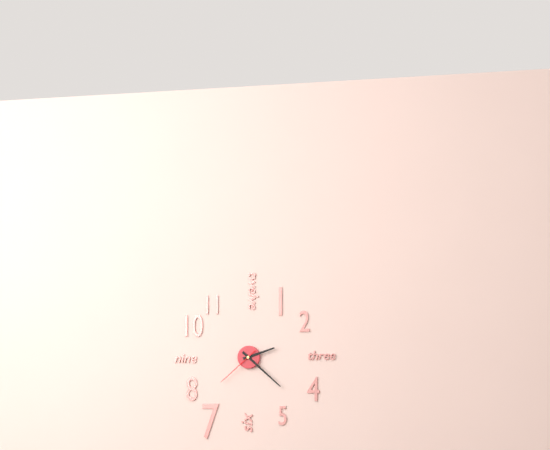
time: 2:22
